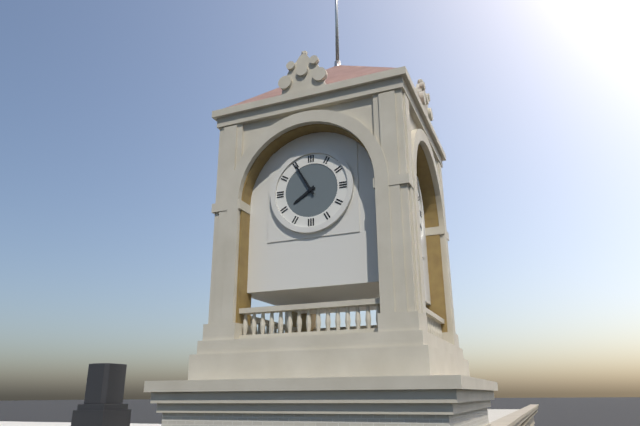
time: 7:55
